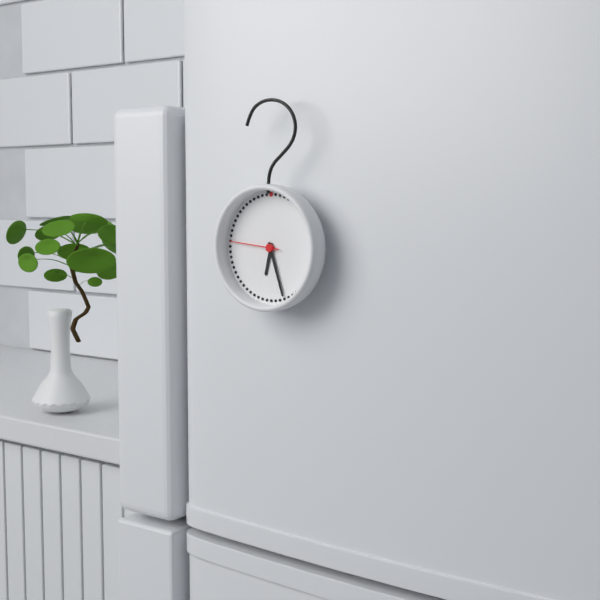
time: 6:27:46
